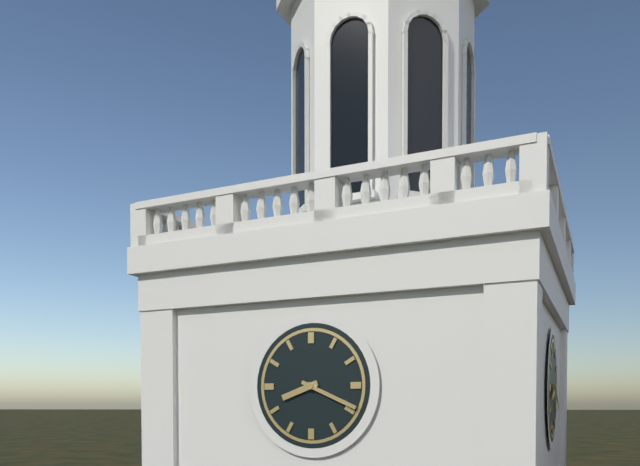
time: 8:19
